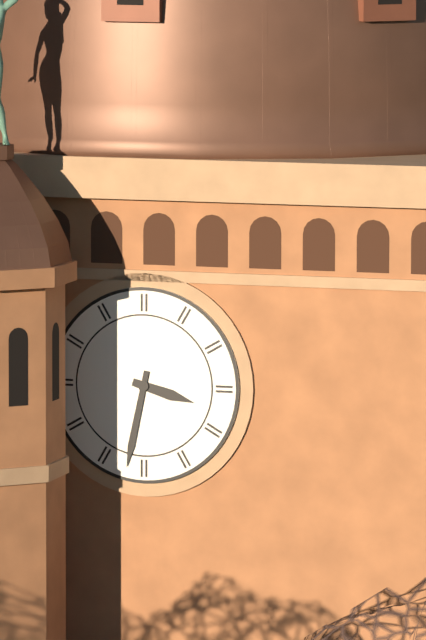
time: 3:32
